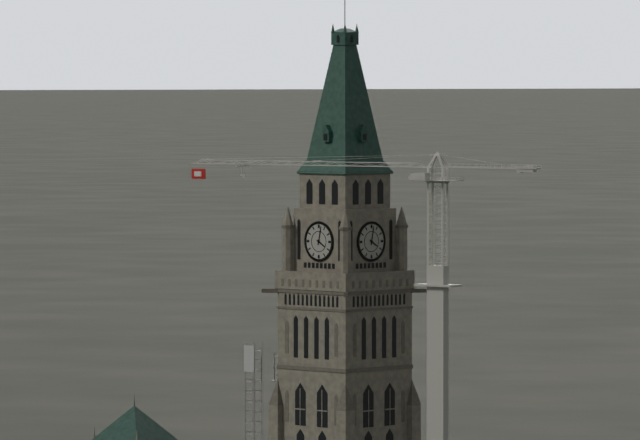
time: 4:02
